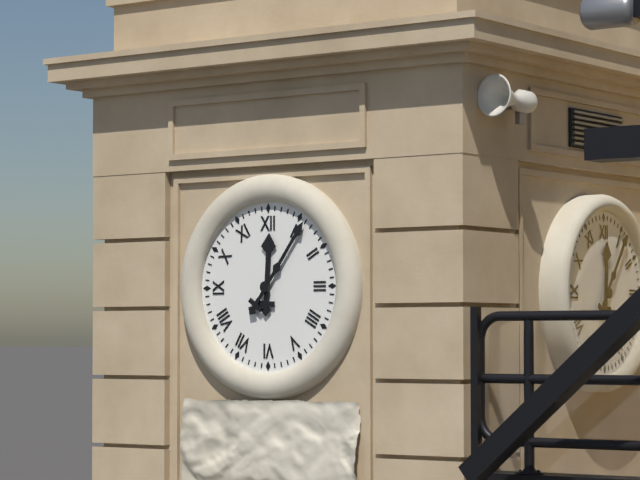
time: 12:06
